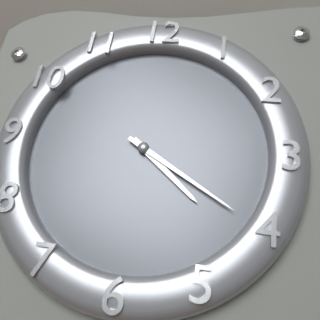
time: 4:20
